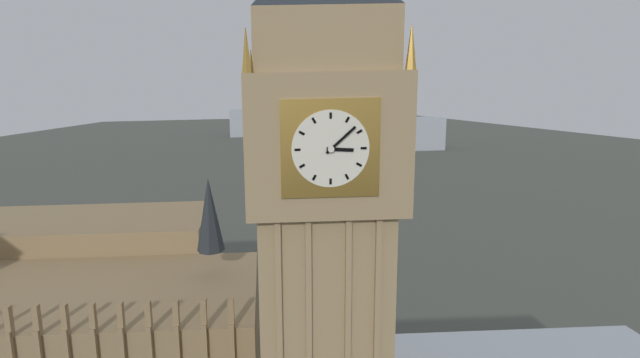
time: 3:08
